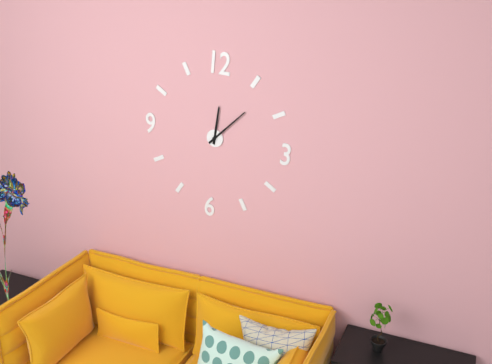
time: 12:07
